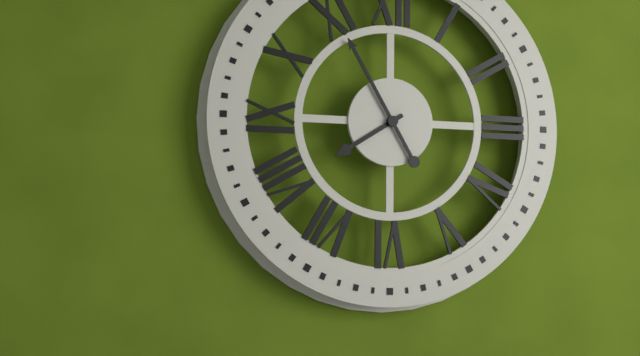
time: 7:55
